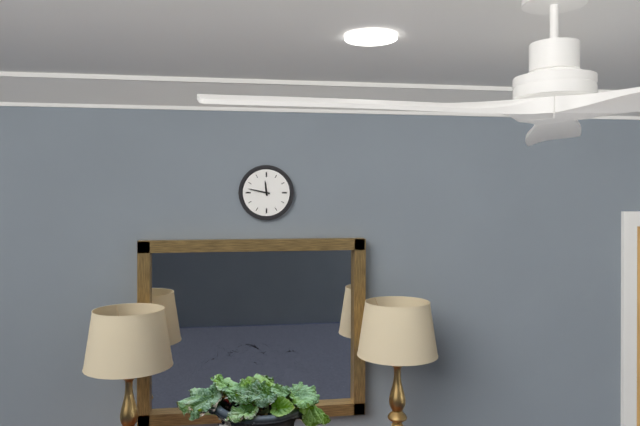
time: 11:47
